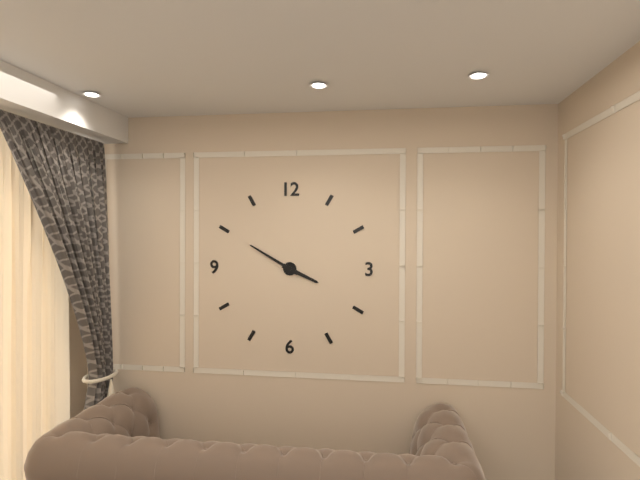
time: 3:50
